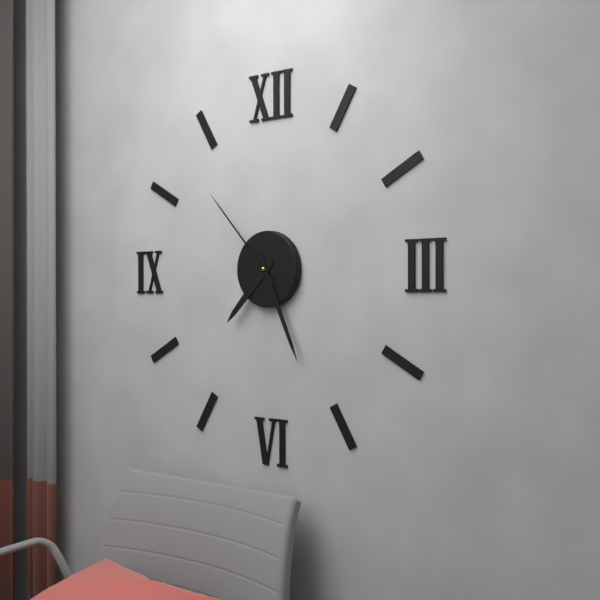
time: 7:26:53
